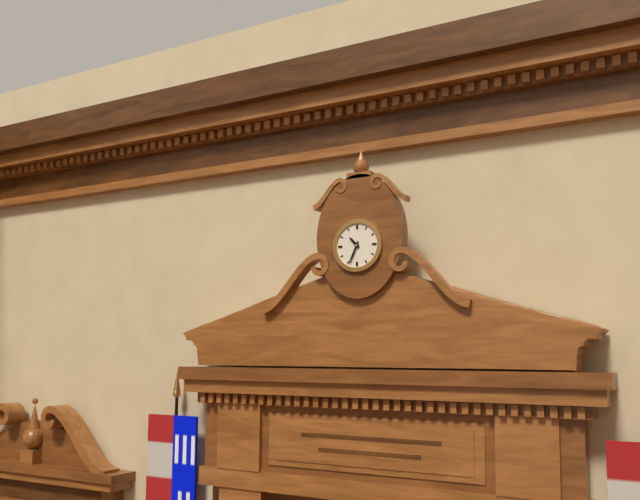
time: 10:34
